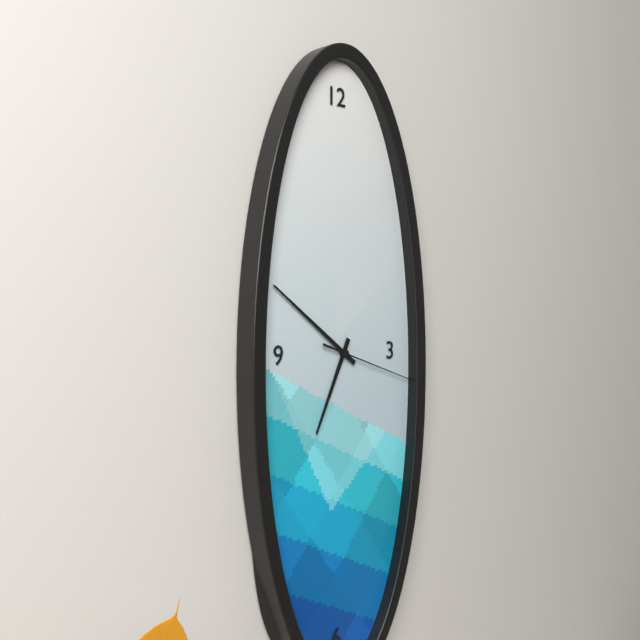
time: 6:51:18
